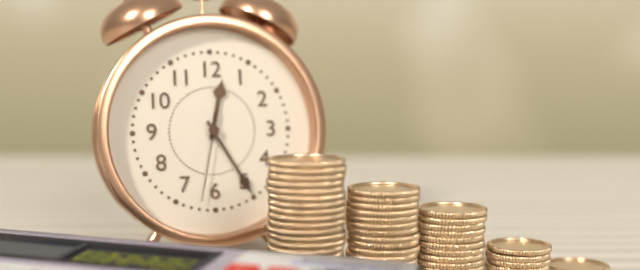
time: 12:25:32
